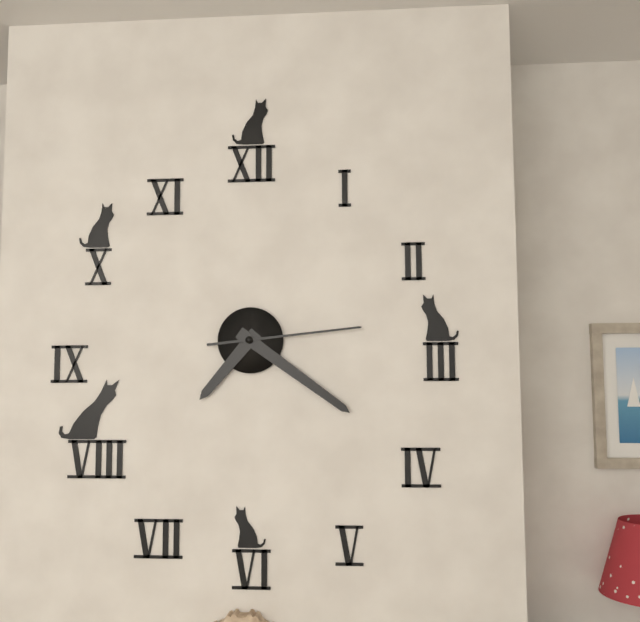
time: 7:21:14
